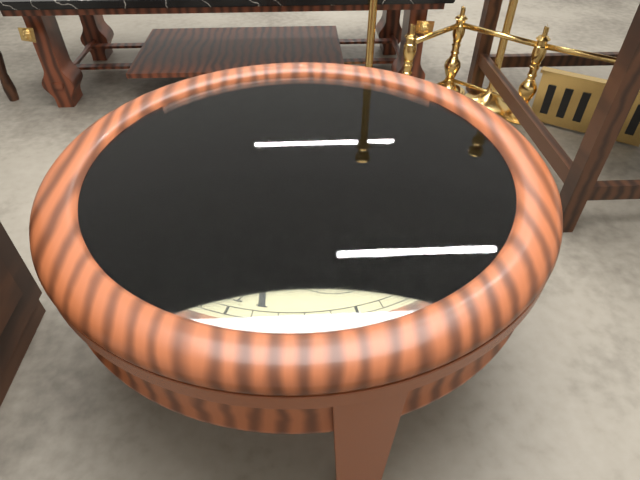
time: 9:24:57
